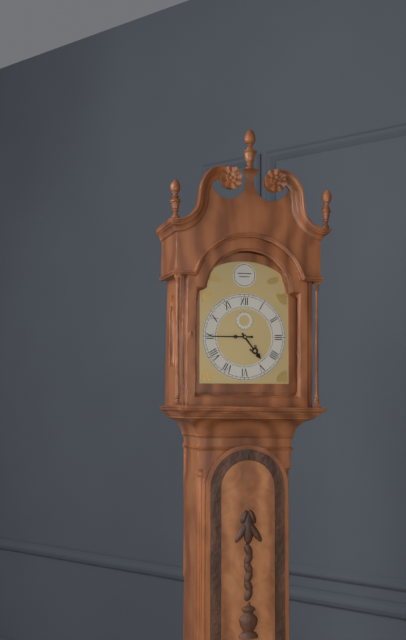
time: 4:45
